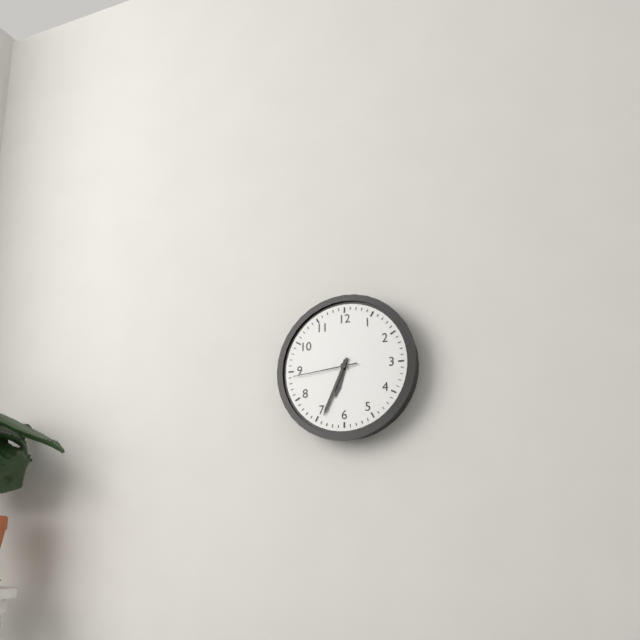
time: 6:34:44
